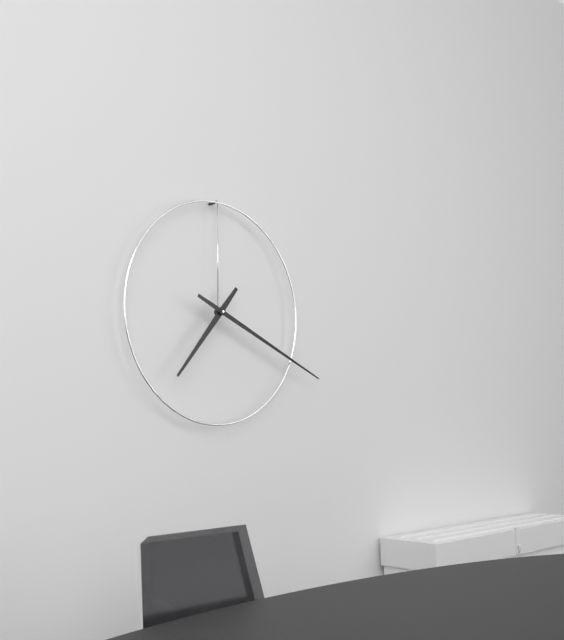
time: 7:19
